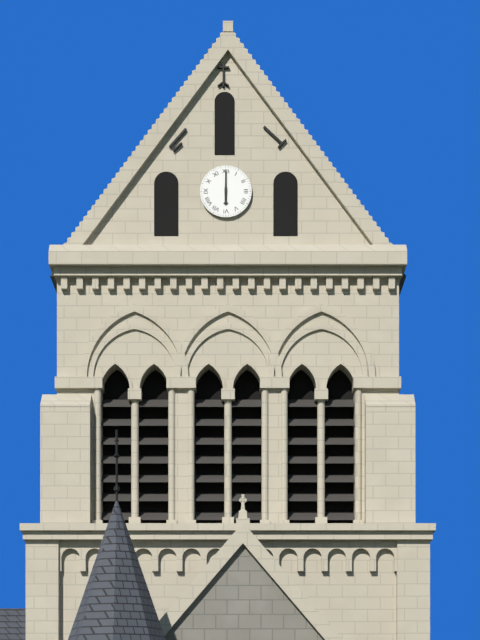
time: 6:00
